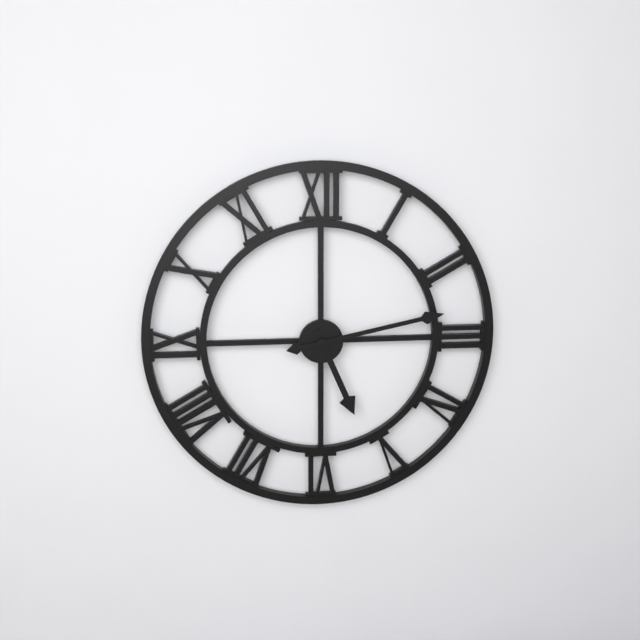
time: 5:13
